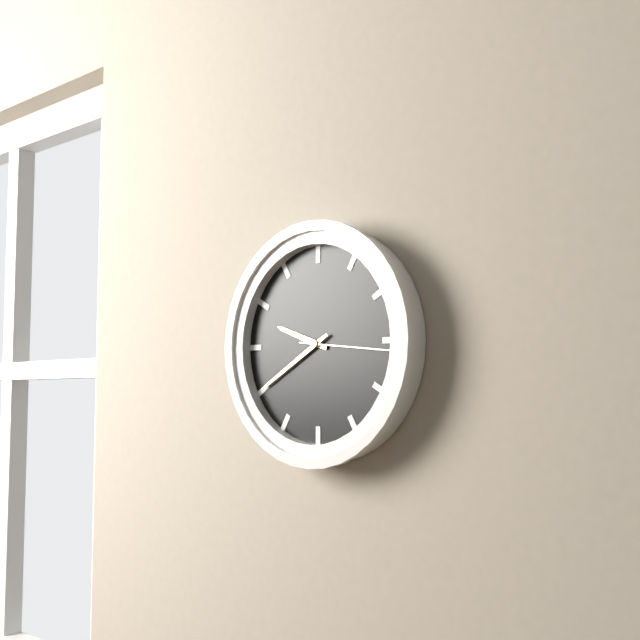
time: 9:40:16
